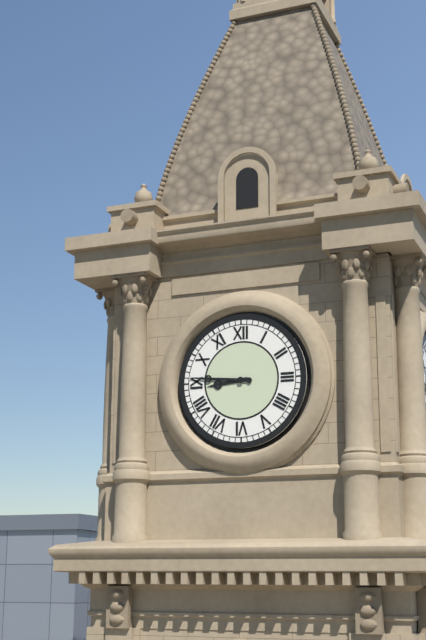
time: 8:46
